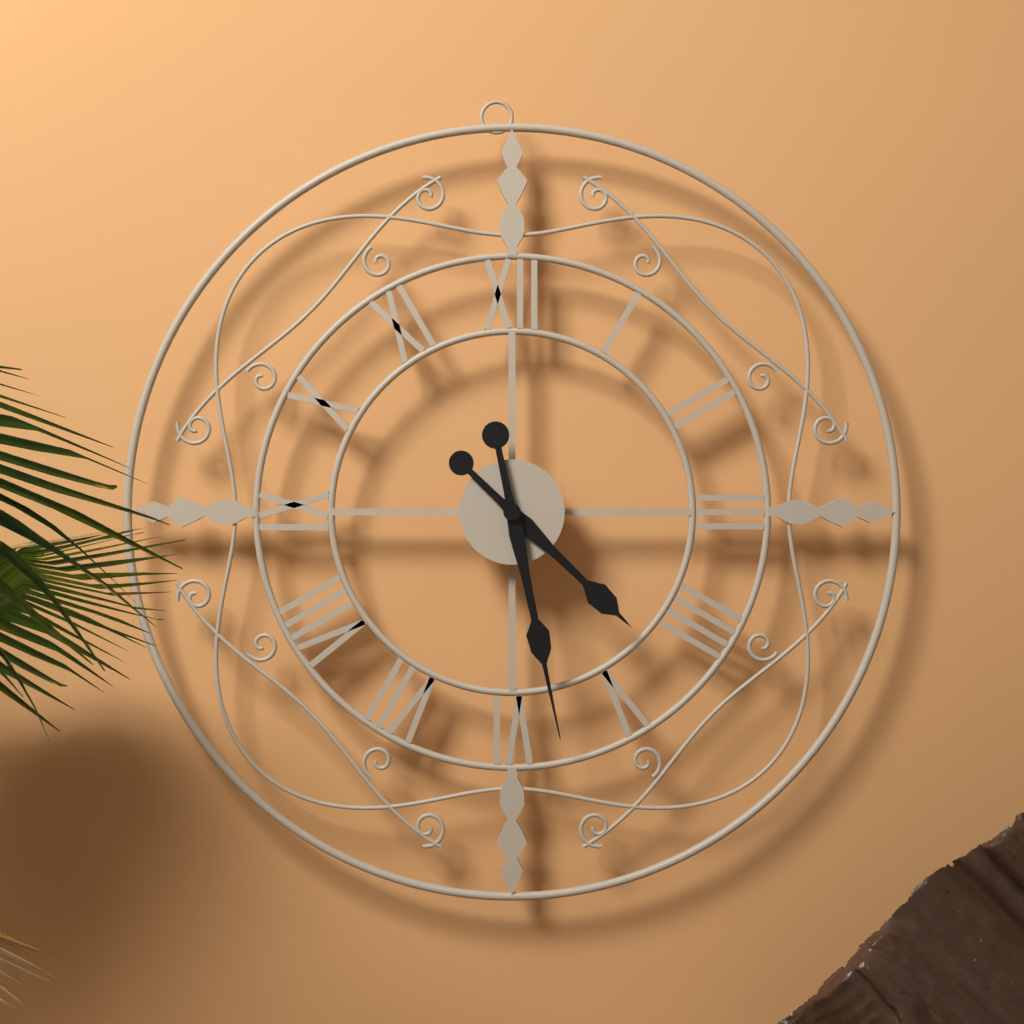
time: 4:28
